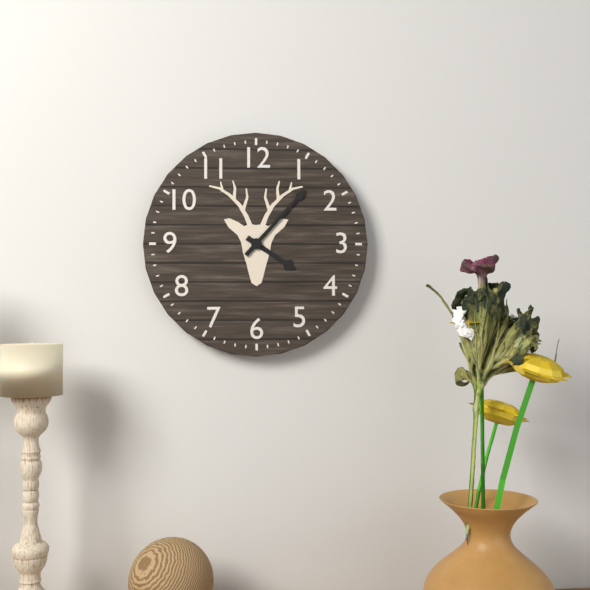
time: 4:07
